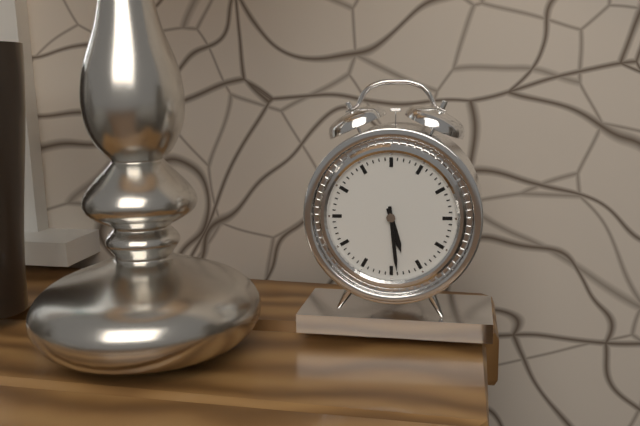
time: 5:29
